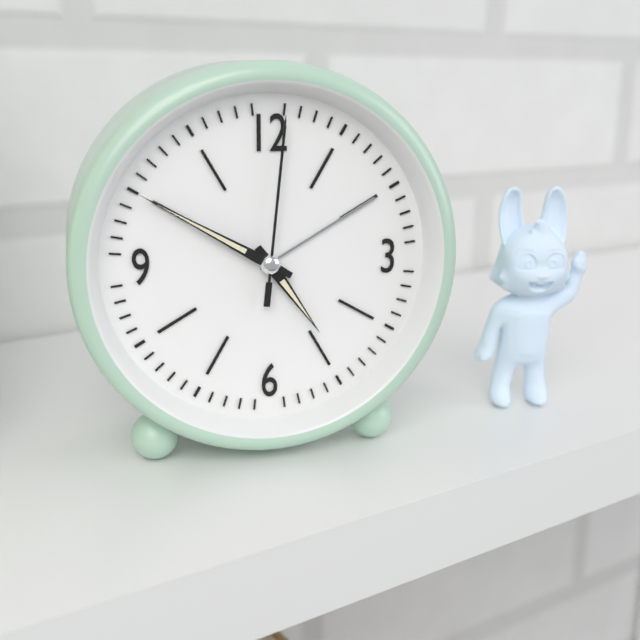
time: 4:50:01
